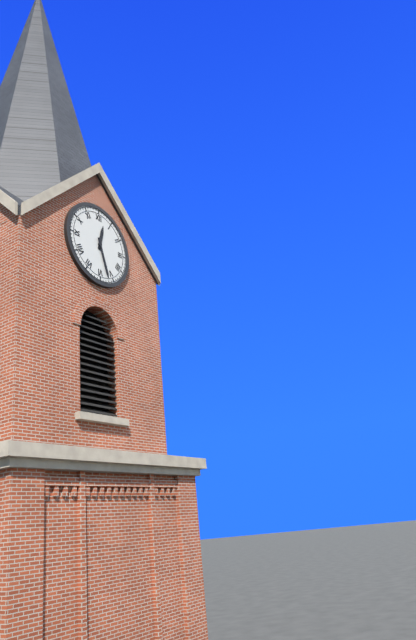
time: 12:27
